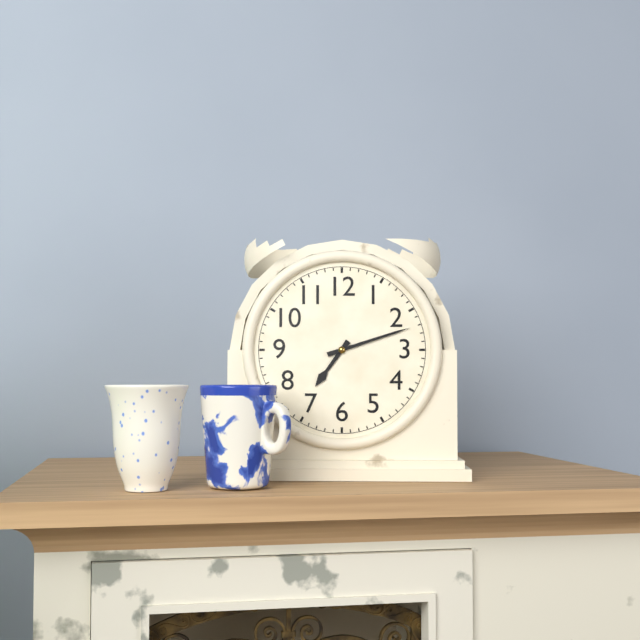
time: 7:12
